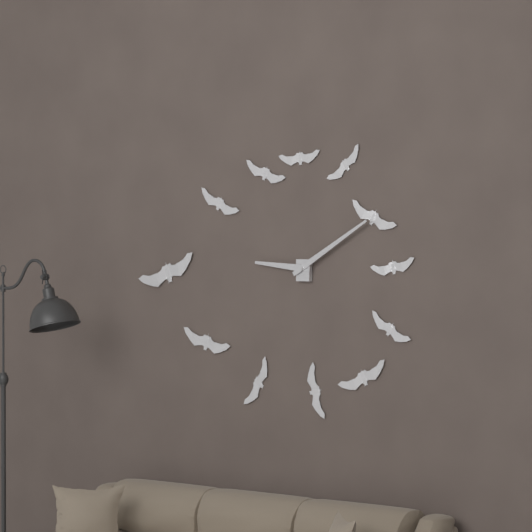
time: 9:10
